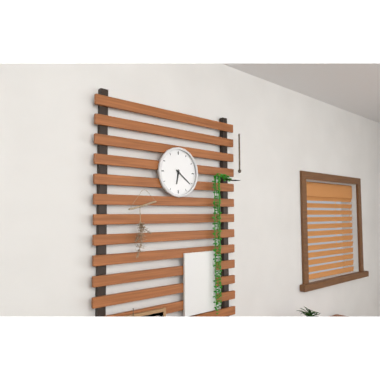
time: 6:21
